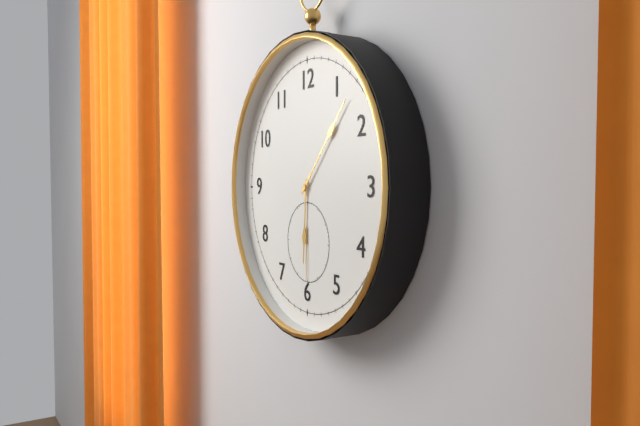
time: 6:07
